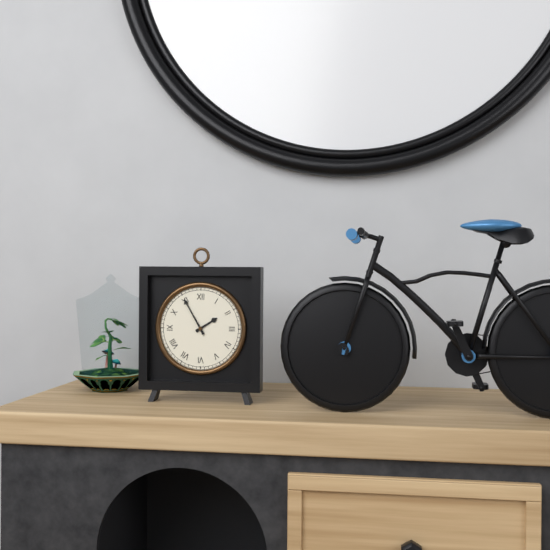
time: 1:55
